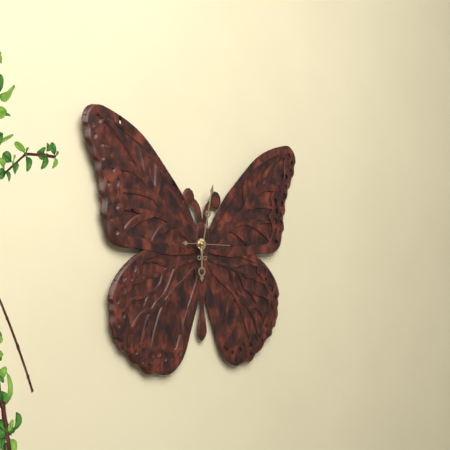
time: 6:02
